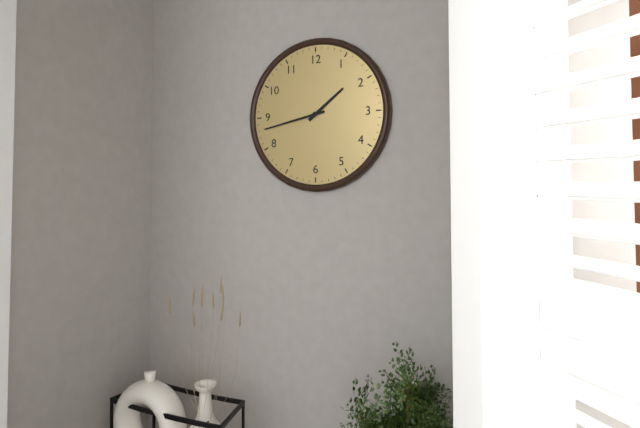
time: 1:43
